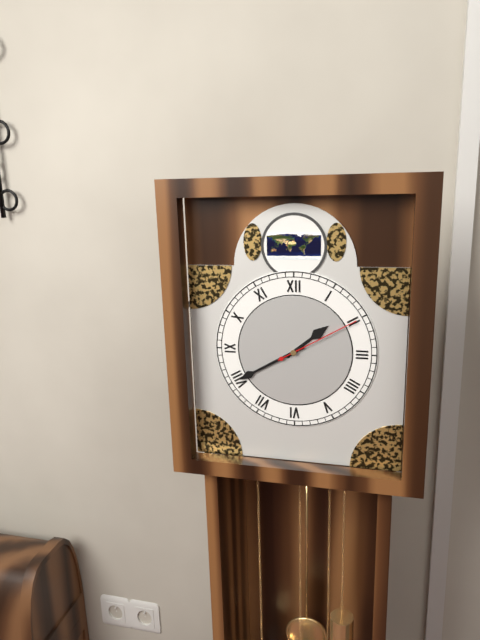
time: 1:40:10
